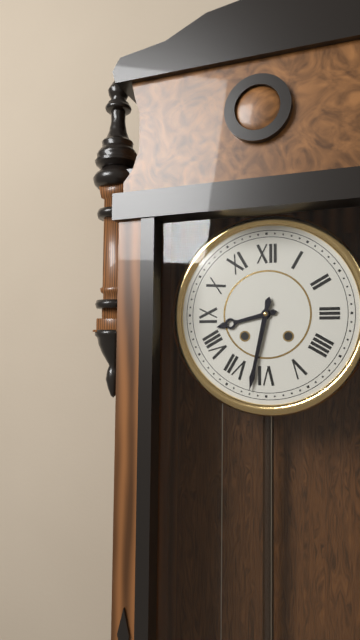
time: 8:32
